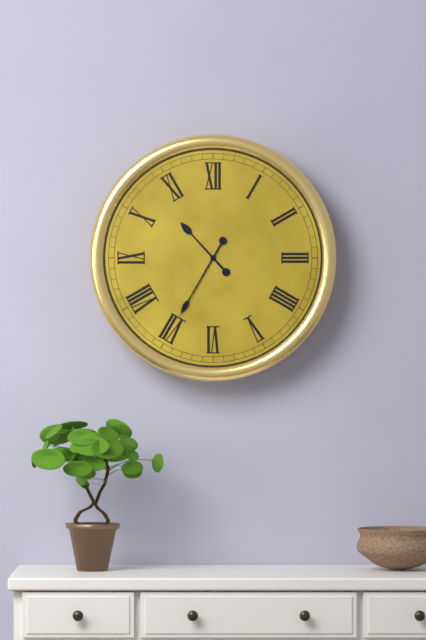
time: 10:35:35
